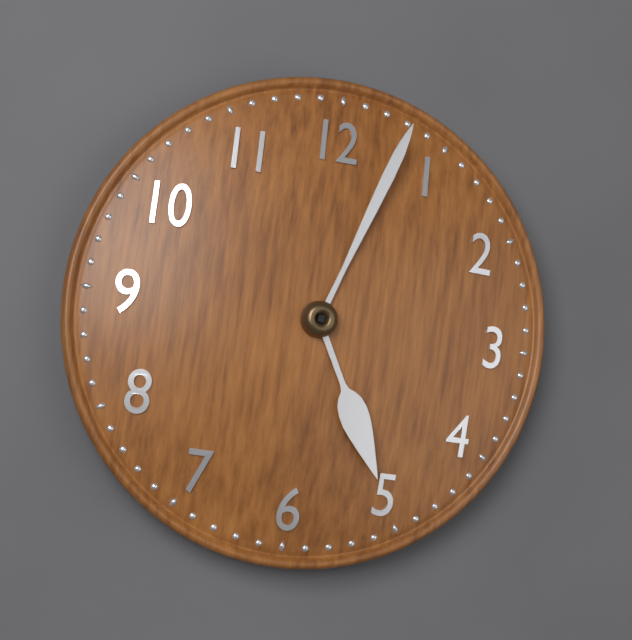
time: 5:03
